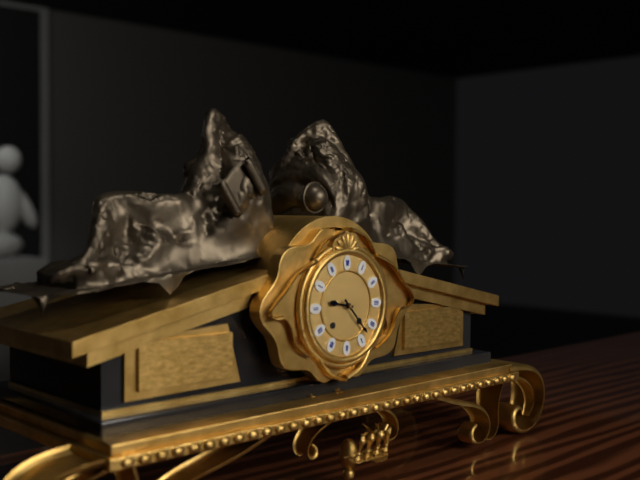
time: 9:23
